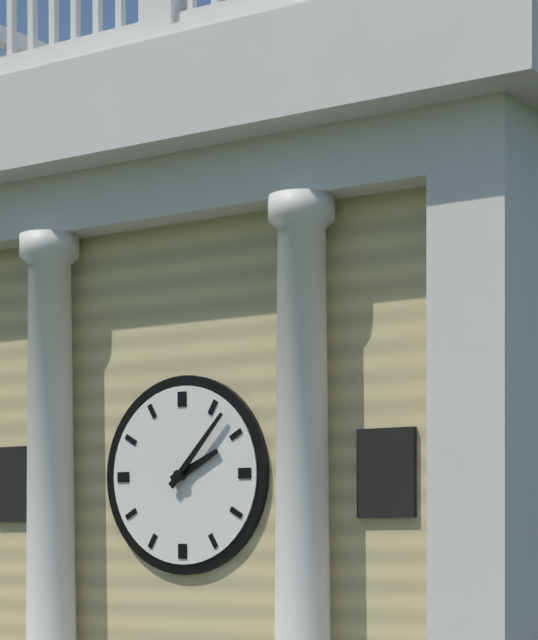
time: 2:07
